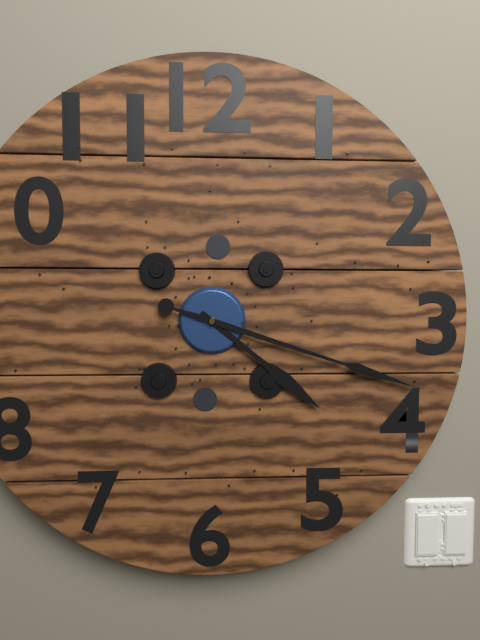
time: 4:18
